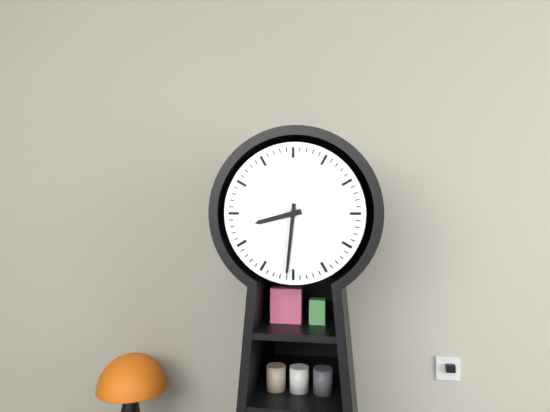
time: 8:31
